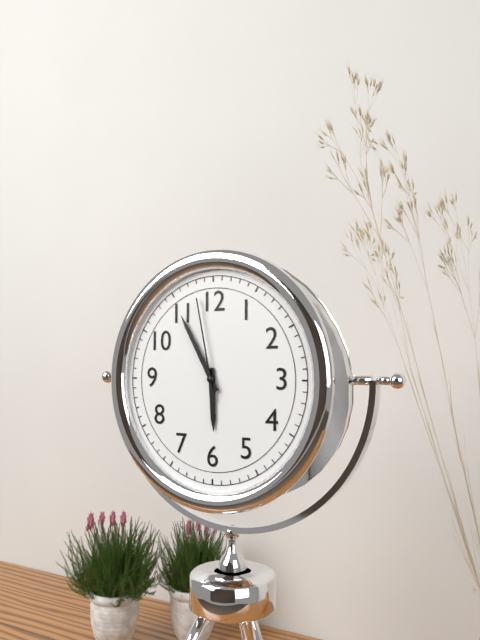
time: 5:55:58
